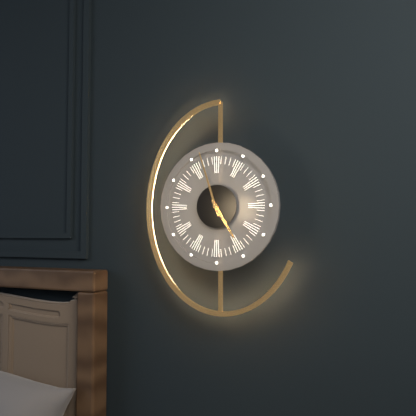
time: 4:57
